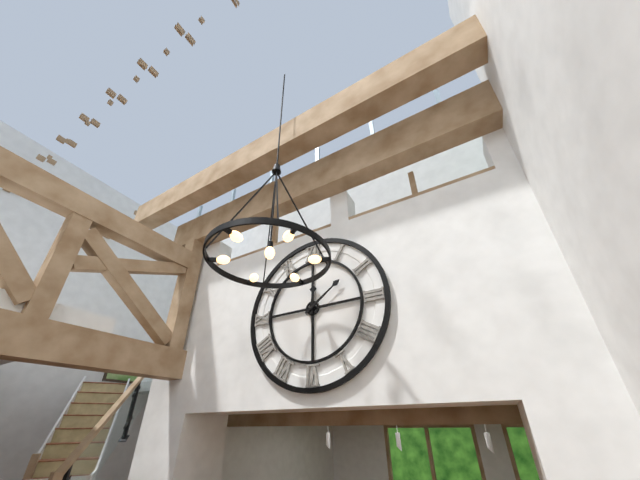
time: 12:09
